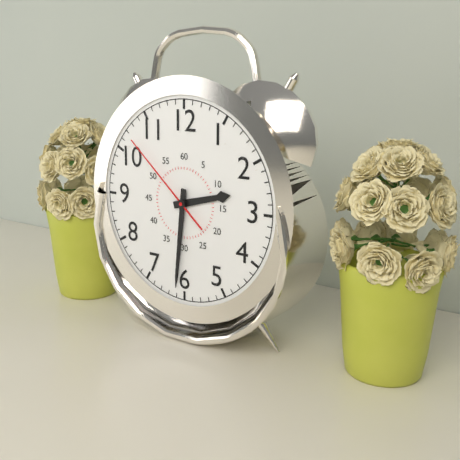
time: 2:31:52
